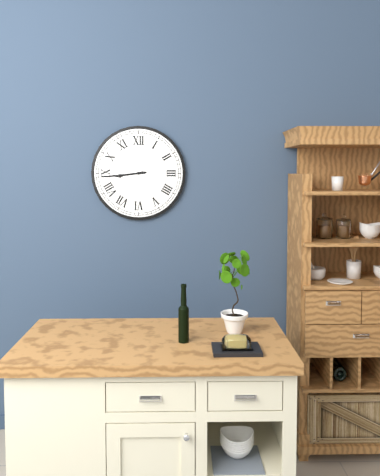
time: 8:44
